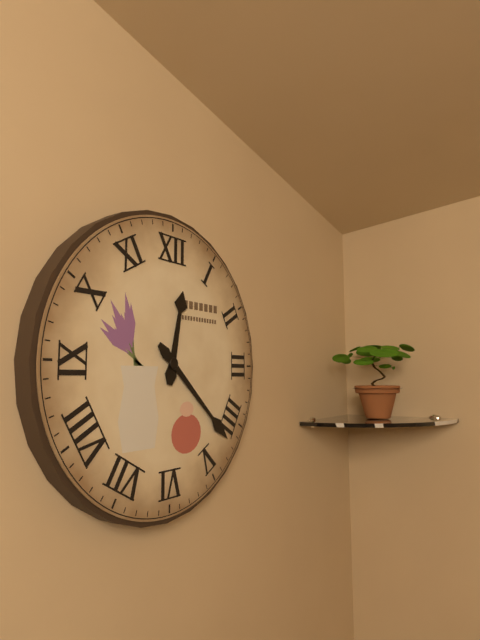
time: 12:22
